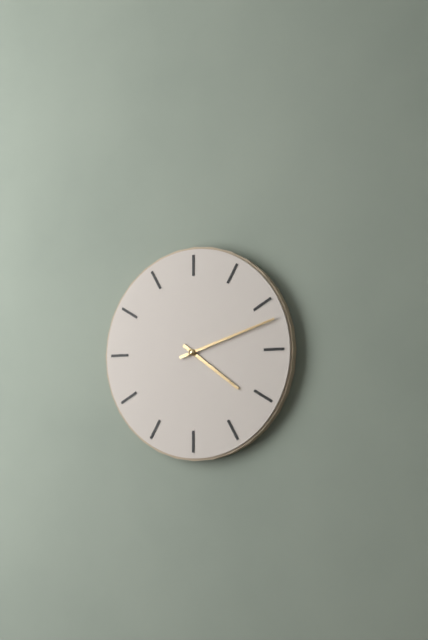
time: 4:12
